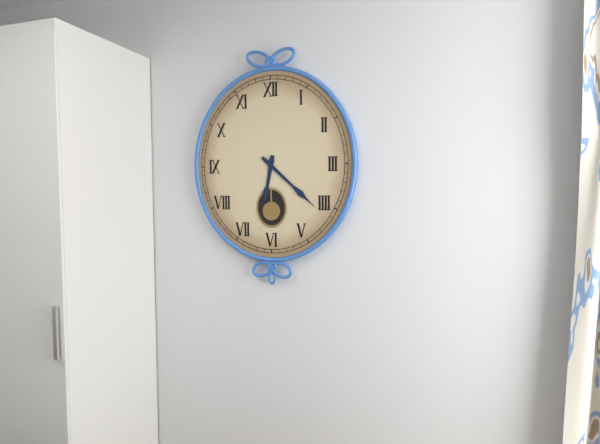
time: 6:22
